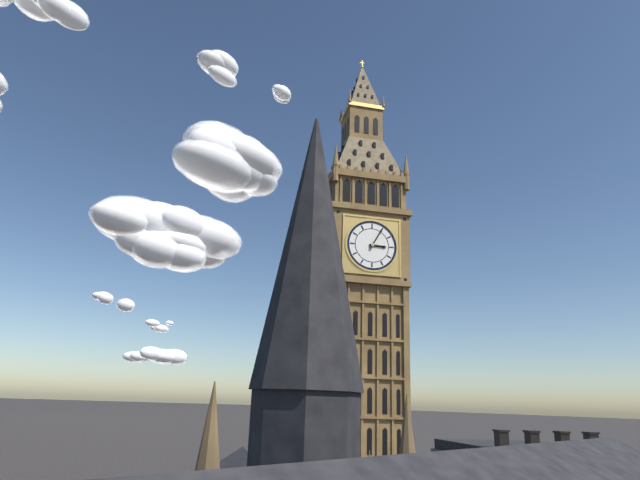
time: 3:05
